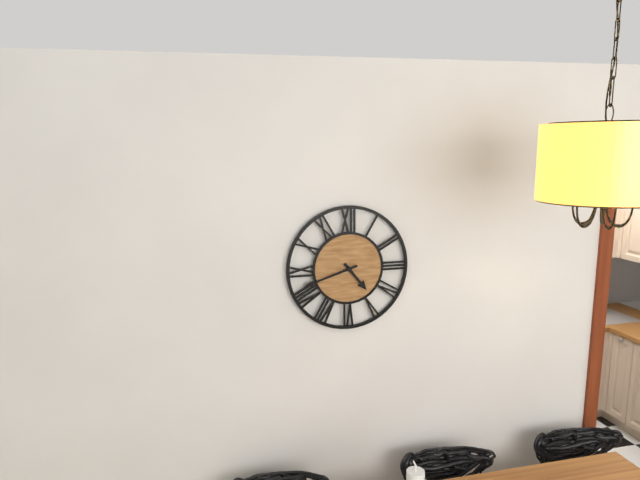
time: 4:42
